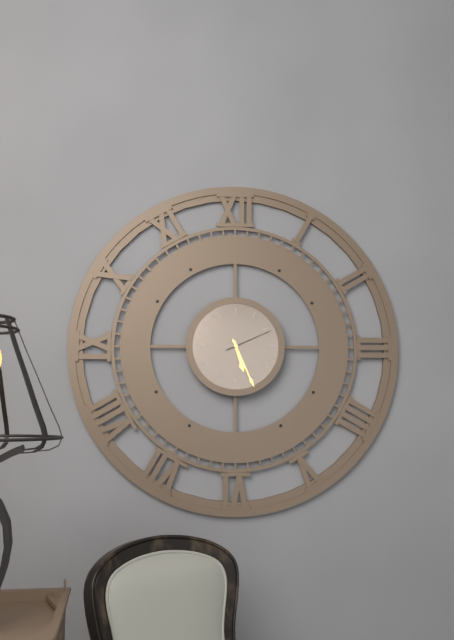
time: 5:26
